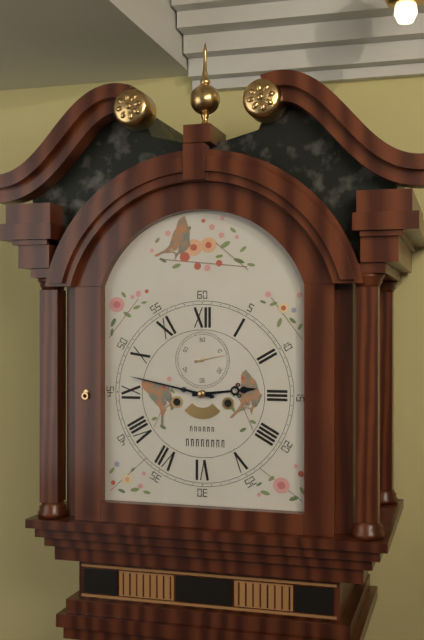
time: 2:47
